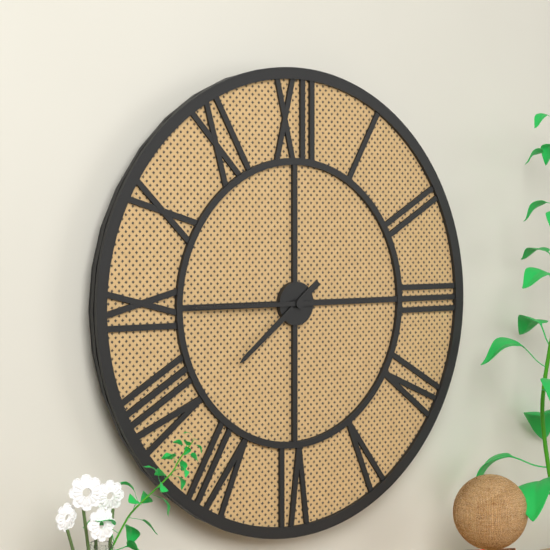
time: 7:45
